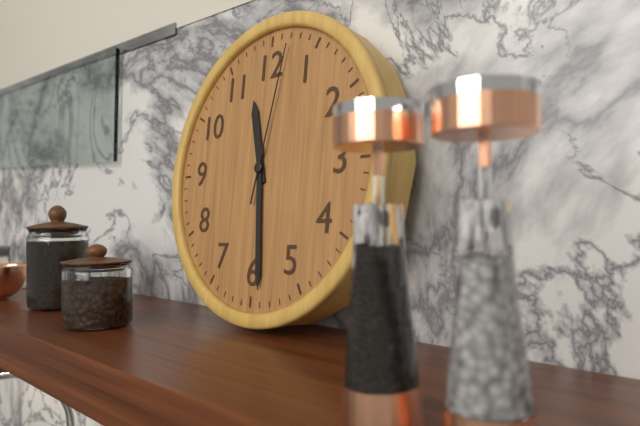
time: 11:29:02
